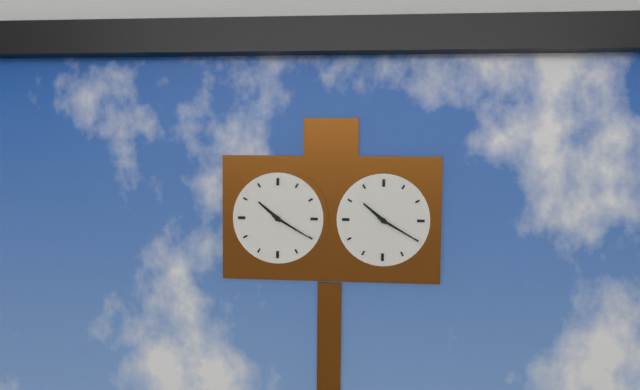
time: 10:20
